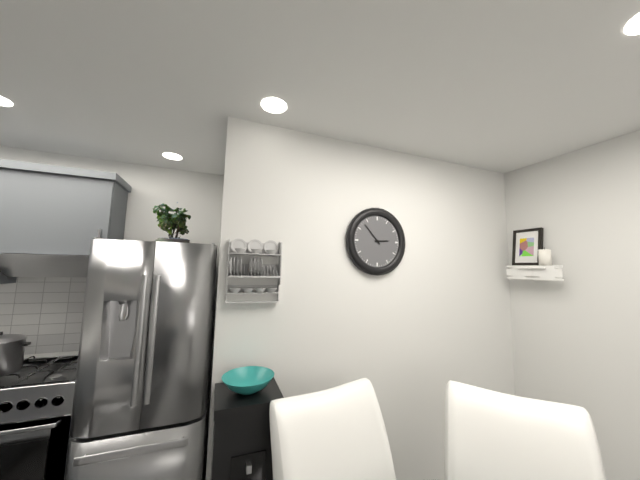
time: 2:53
